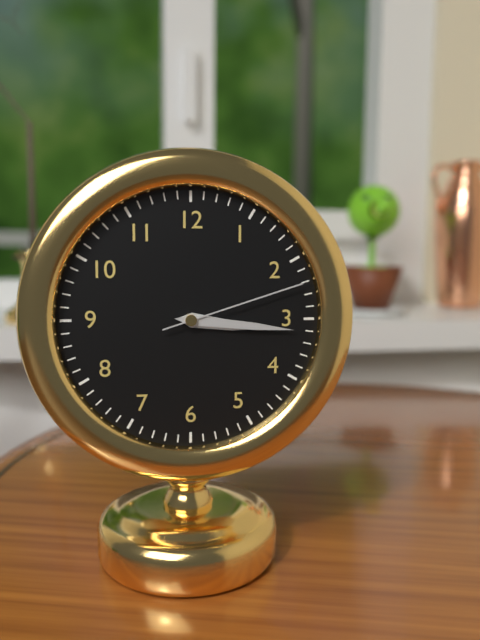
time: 3:16:12
